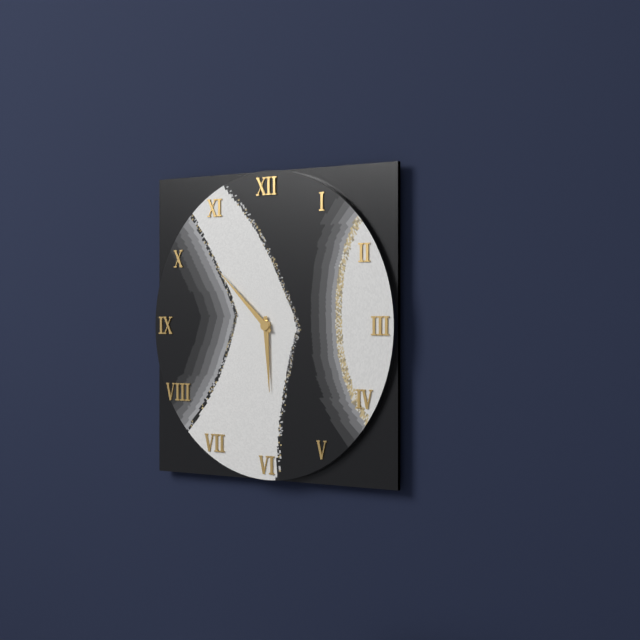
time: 5:52
